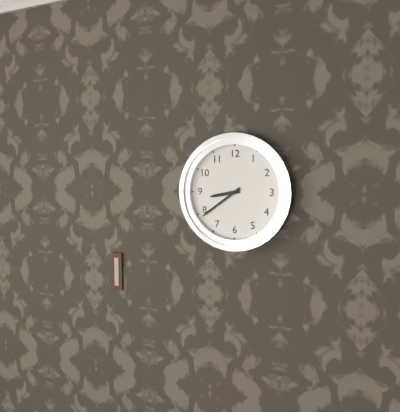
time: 8:39
